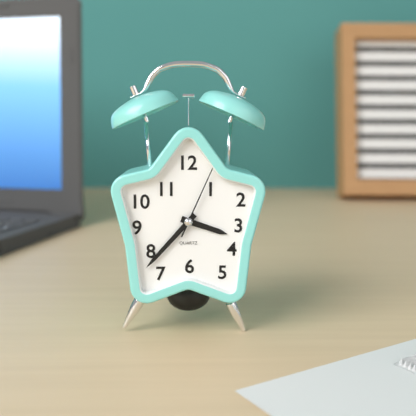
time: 3:37:04
